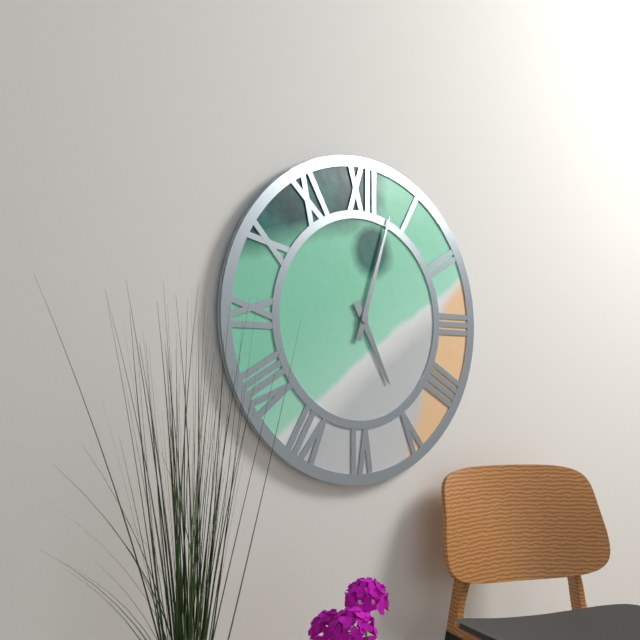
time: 5:03
